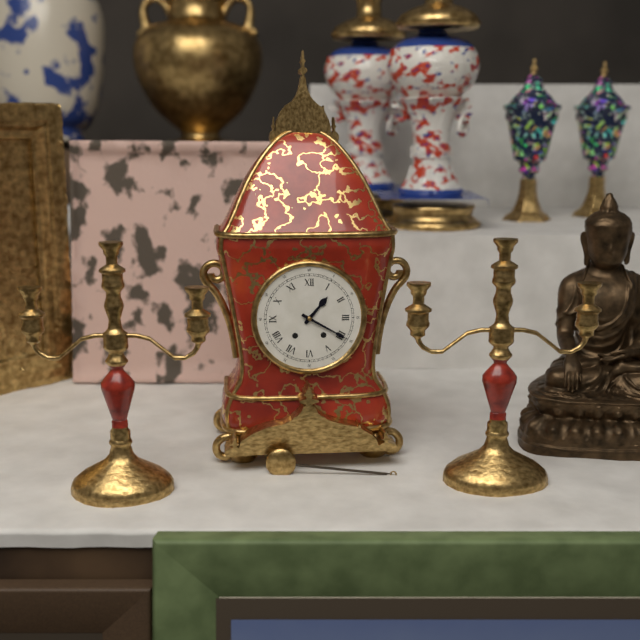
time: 1:20
